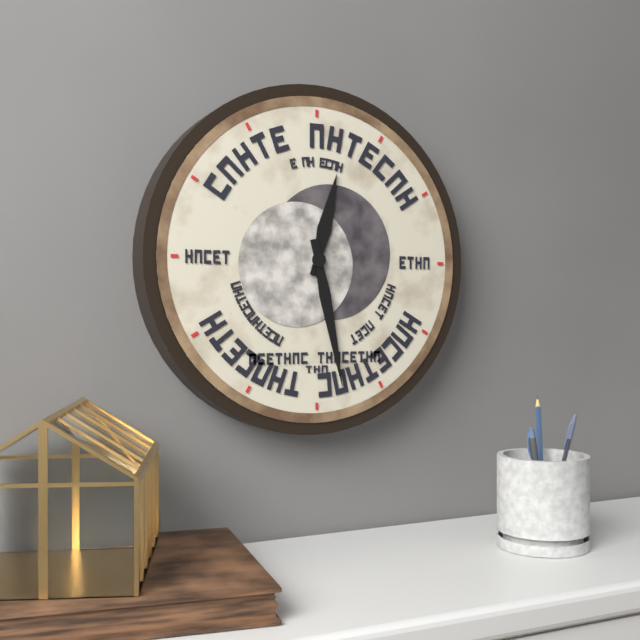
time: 12:28
